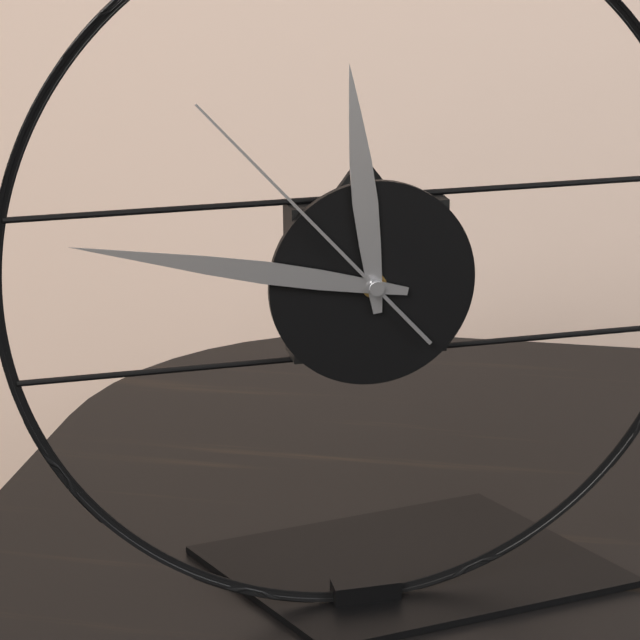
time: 11:47:53
